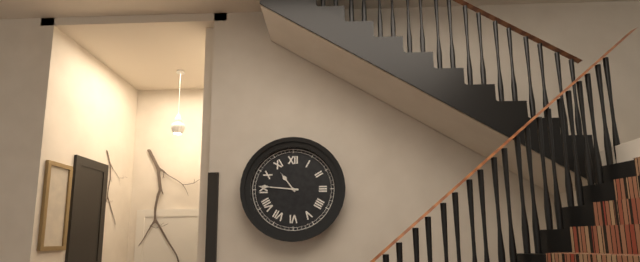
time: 10:46
